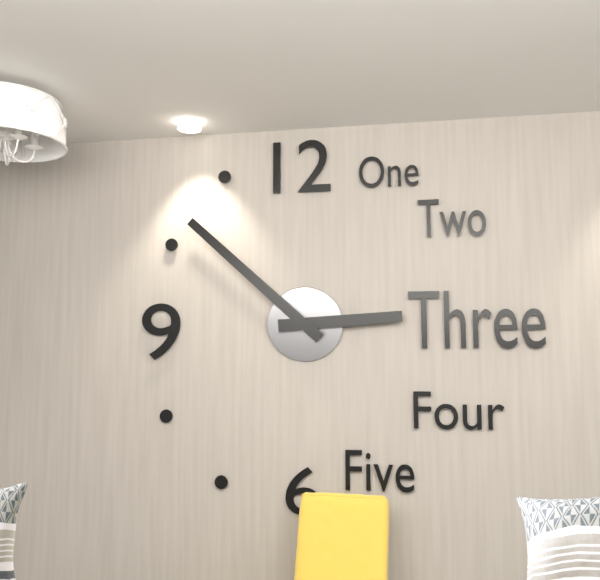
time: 2:52
